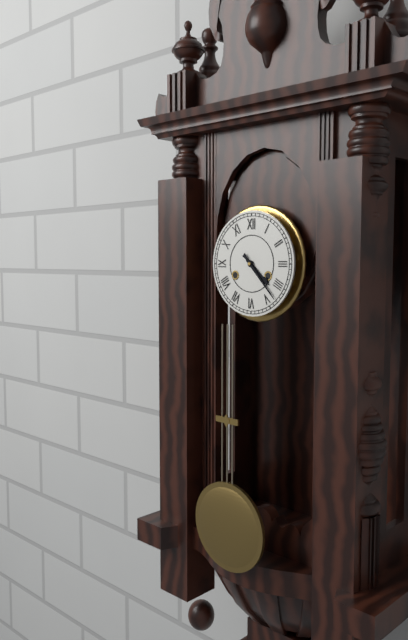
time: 4:23
